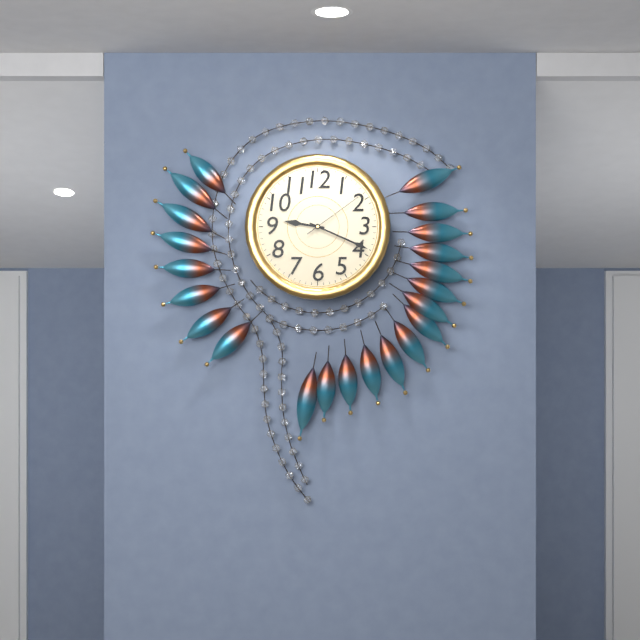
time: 9:19:09
